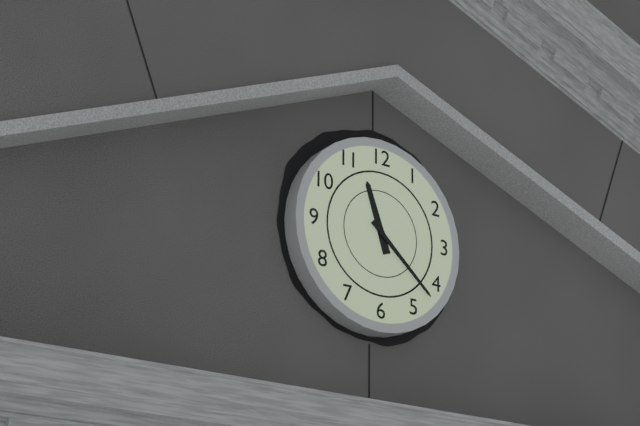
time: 11:22
